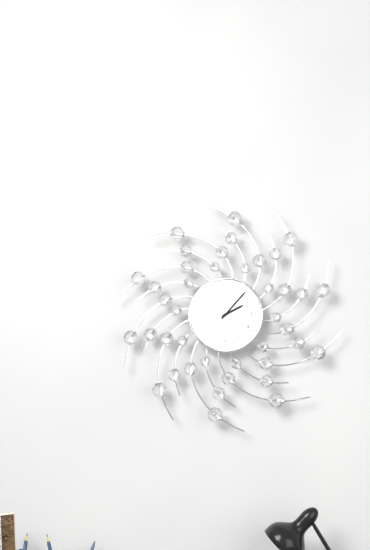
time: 2:07
